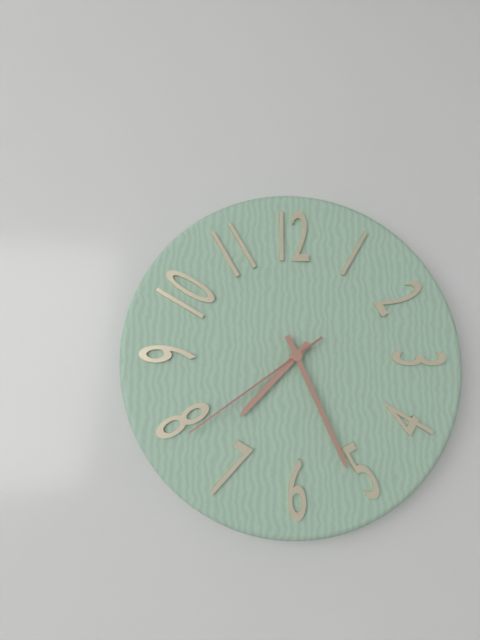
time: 7:26:39
